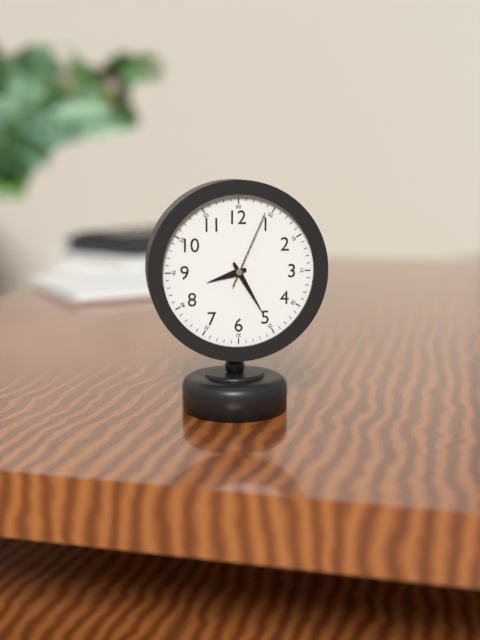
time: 8:25:04
